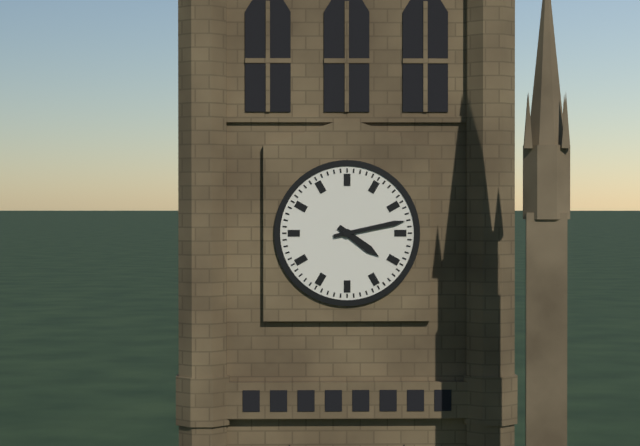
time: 4:13
